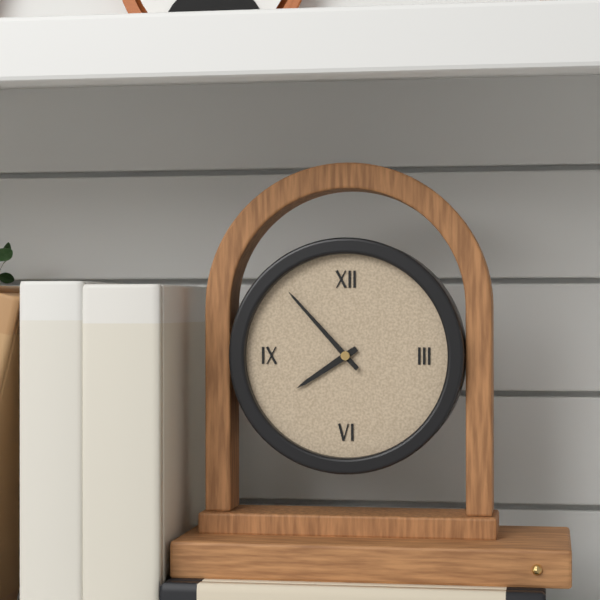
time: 7:53
